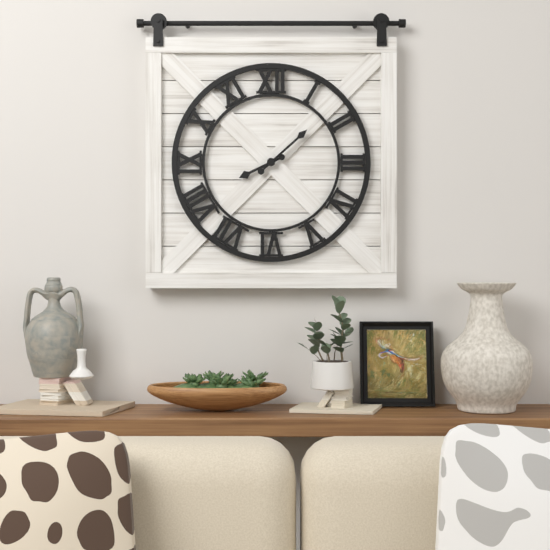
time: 8:08
